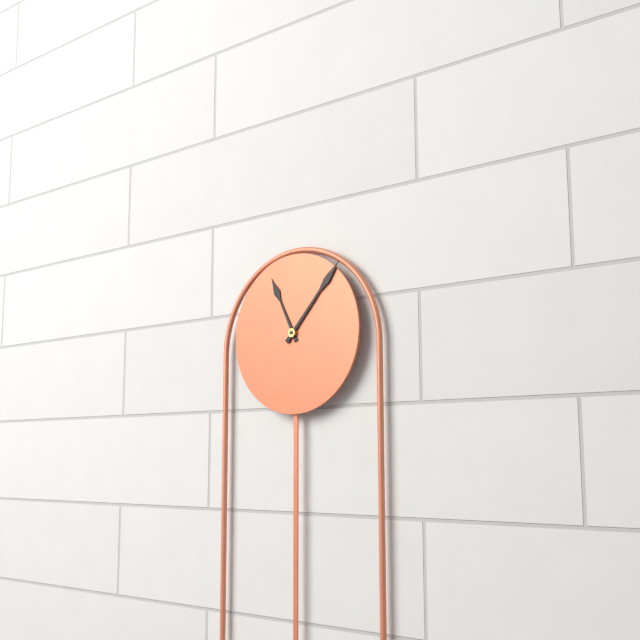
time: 11:07
